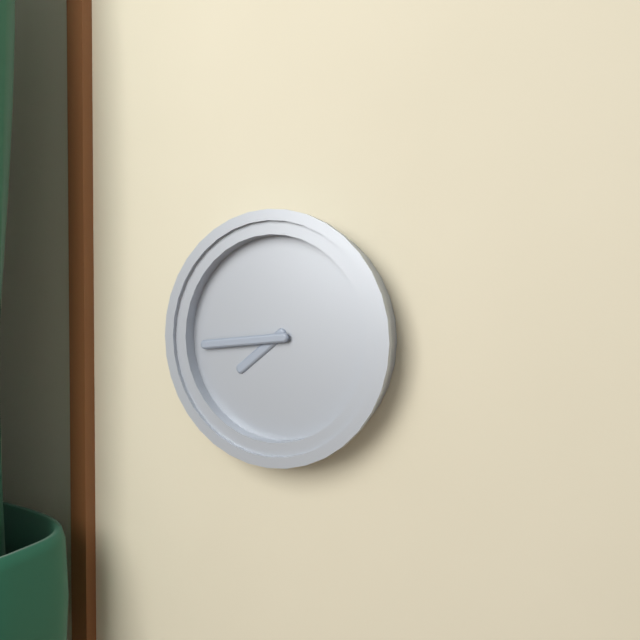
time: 7:44
